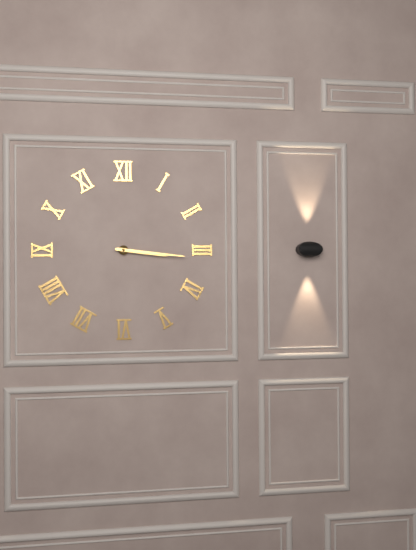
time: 3:16
